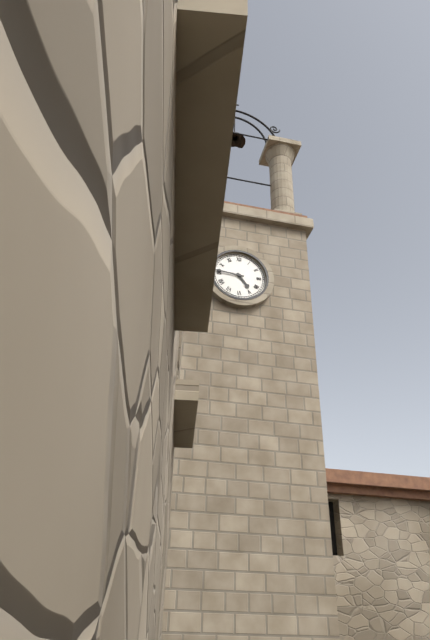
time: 4:46
